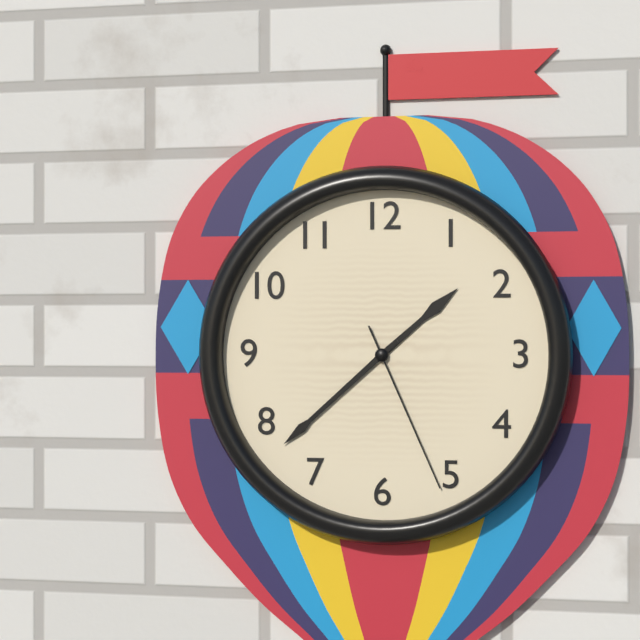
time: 1:38:26
